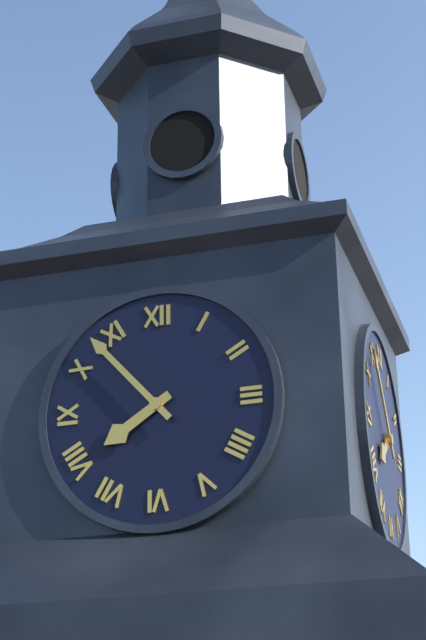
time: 7:53
